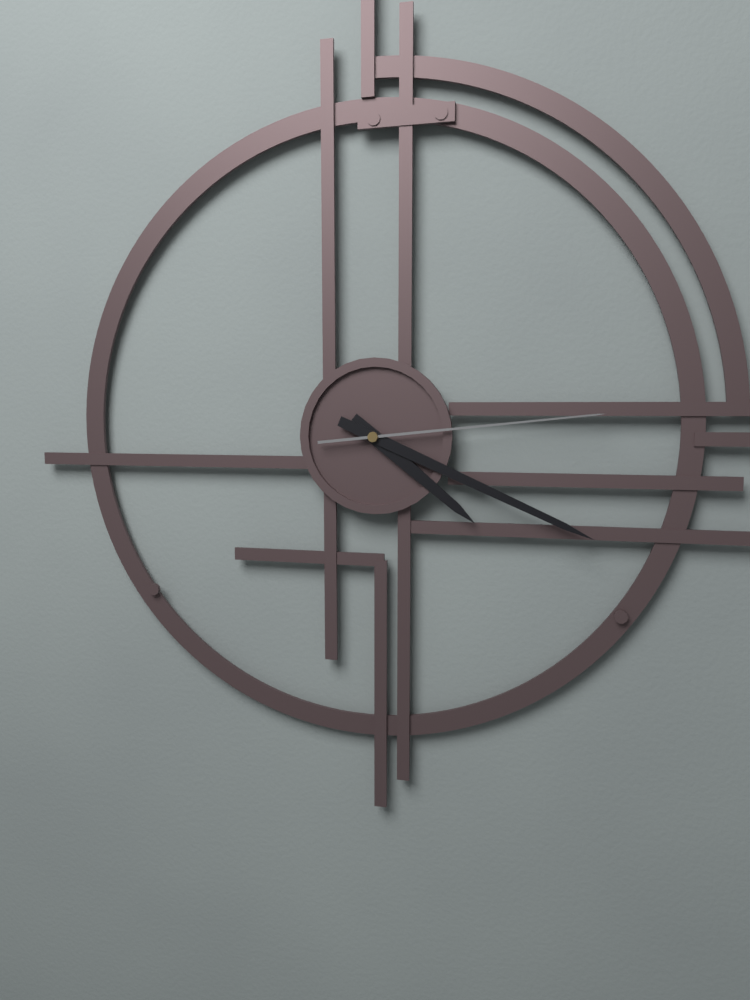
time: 4:19:14
